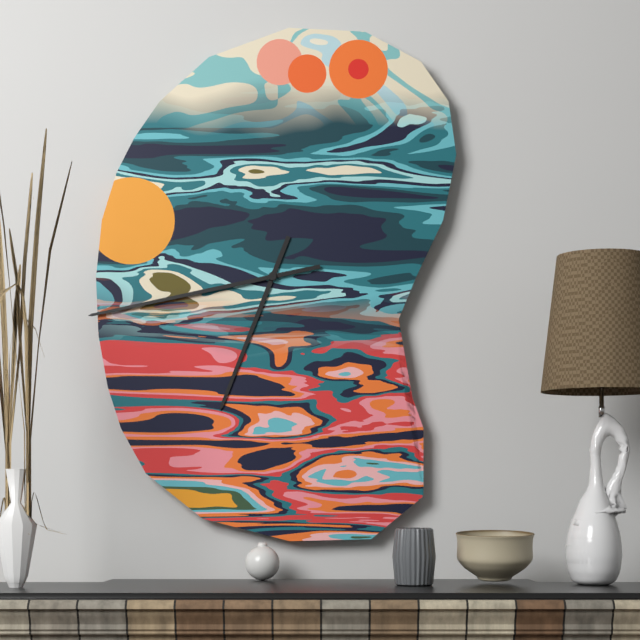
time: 6:43
